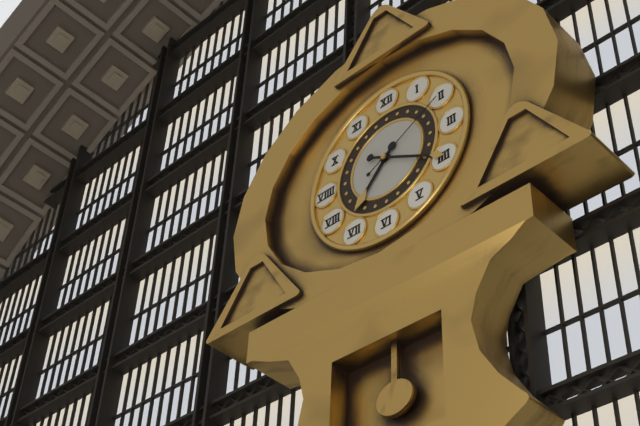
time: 7:20:10
